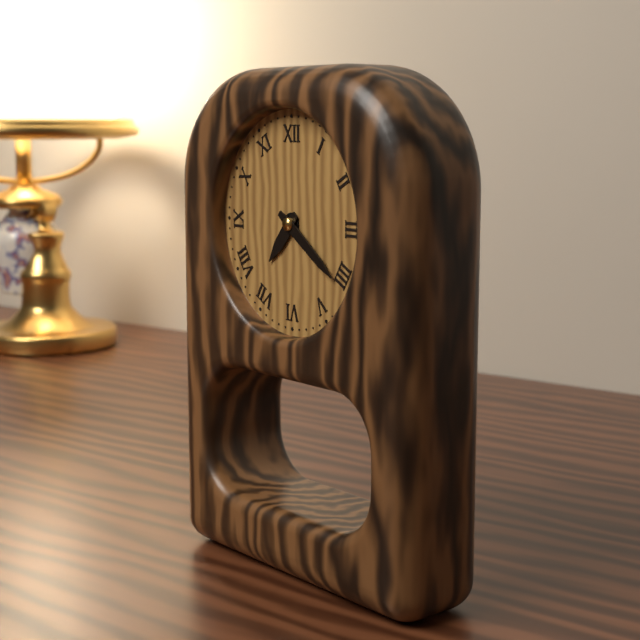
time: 7:21
